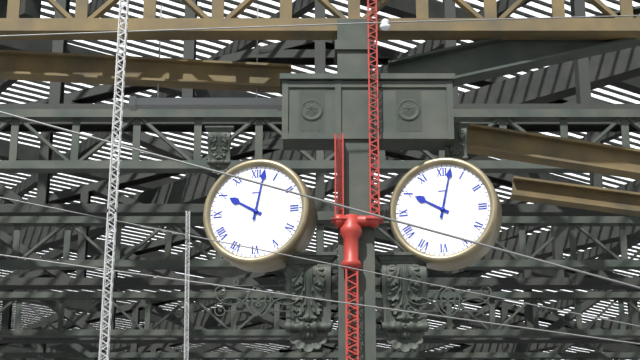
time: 10:02
